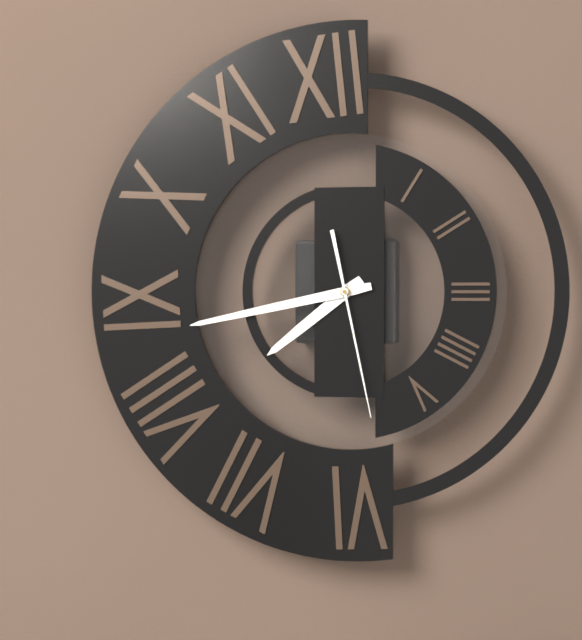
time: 7:43:28
